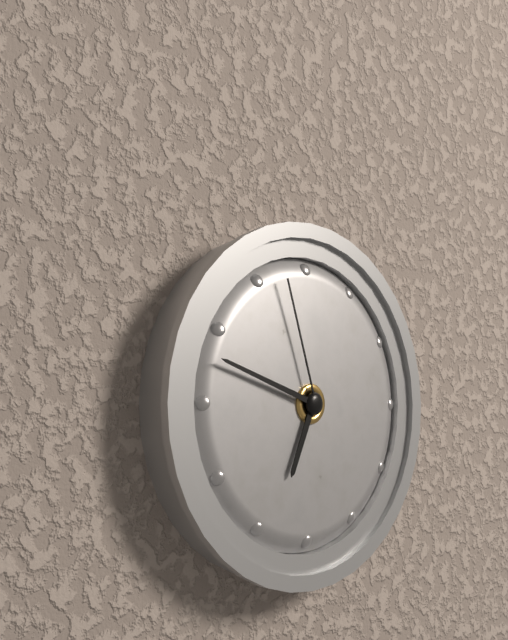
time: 6:48:57
